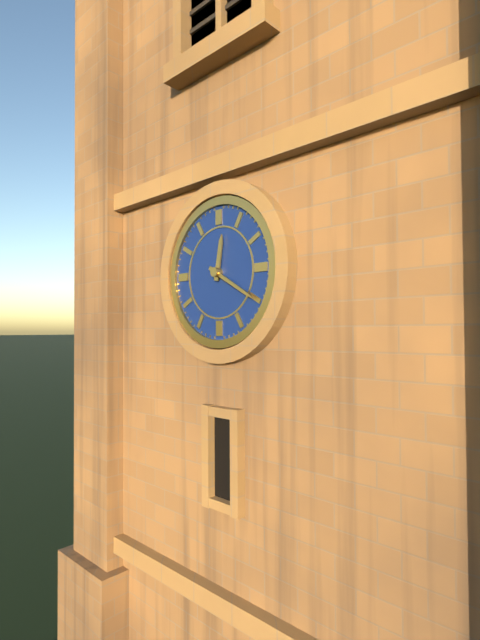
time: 12:20
